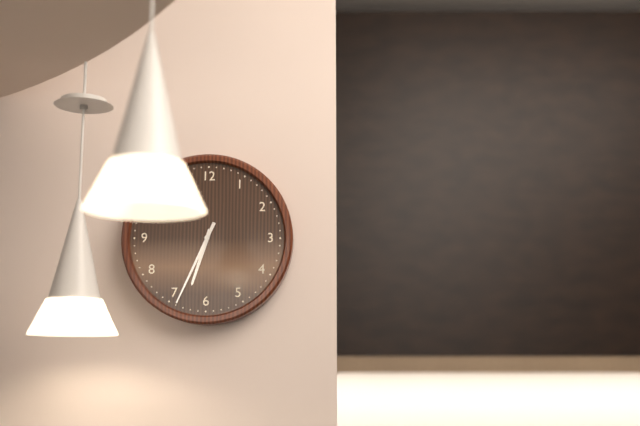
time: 6:34
